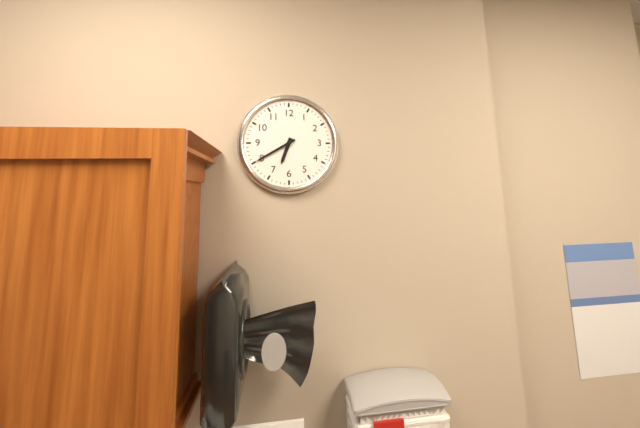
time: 6:40
